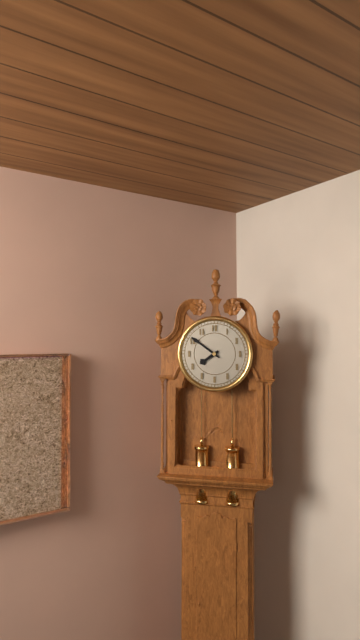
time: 7:51
